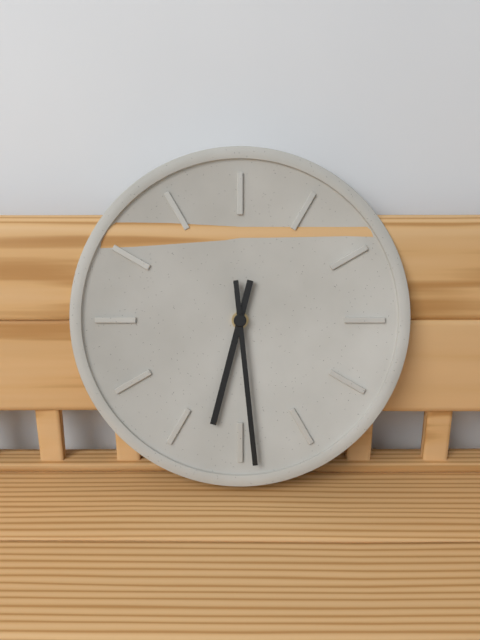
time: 6:29
